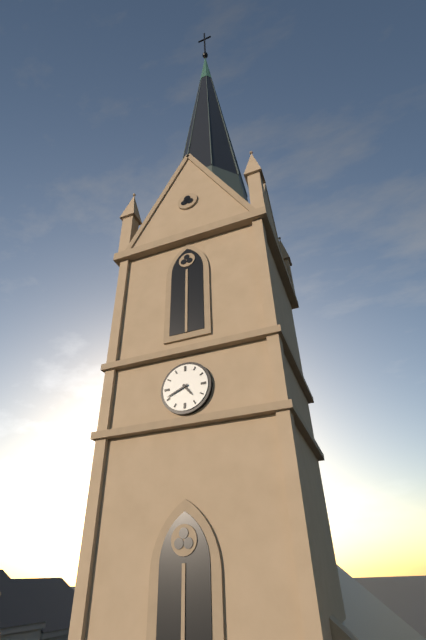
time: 4:41
